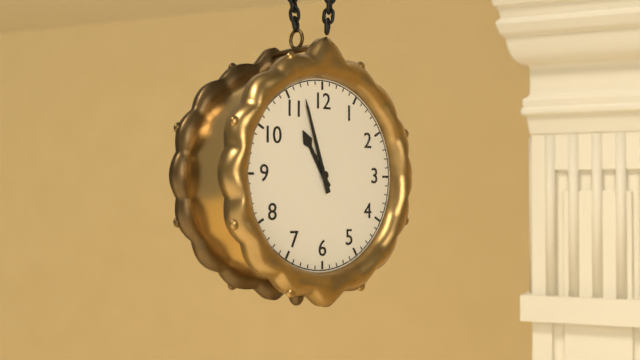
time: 10:57
